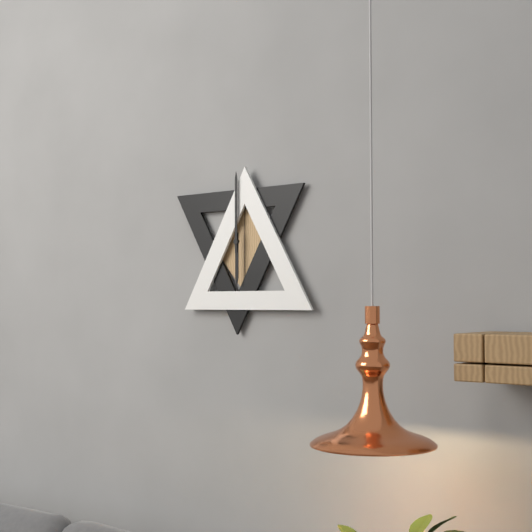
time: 6:00
